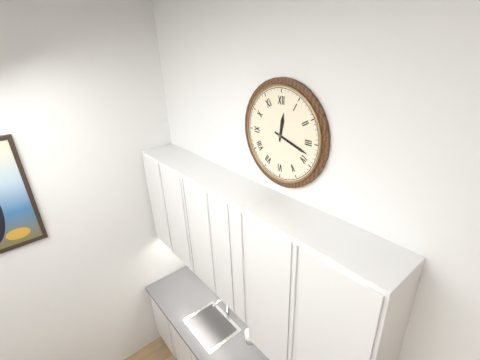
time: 12:18
